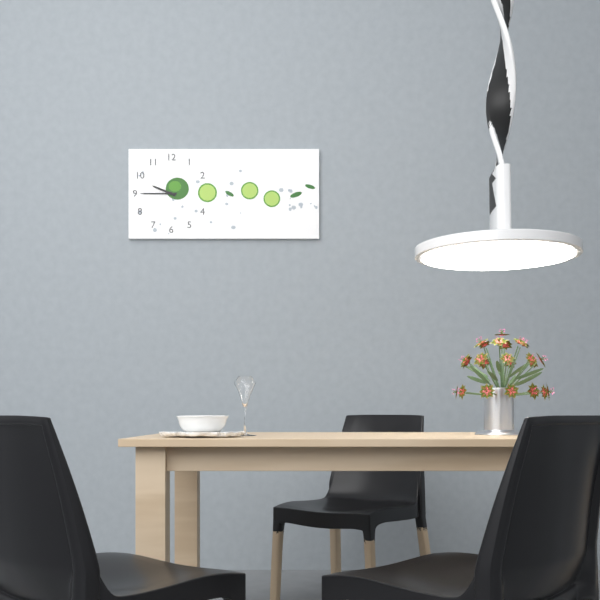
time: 9:45
